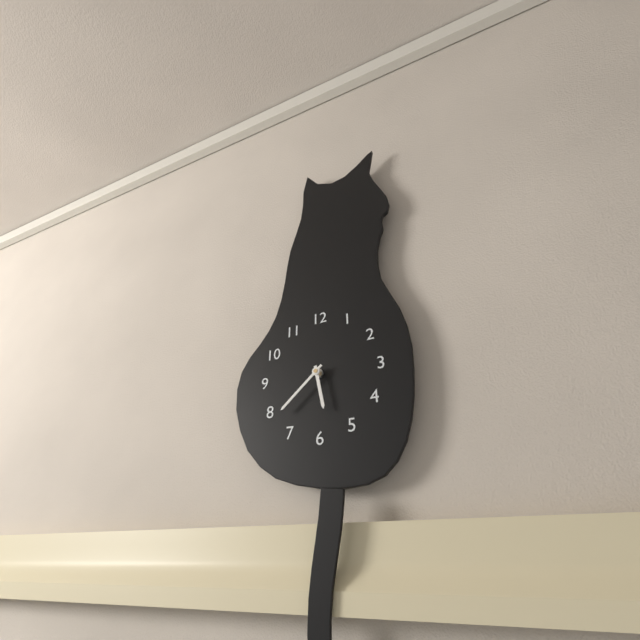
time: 5:38
